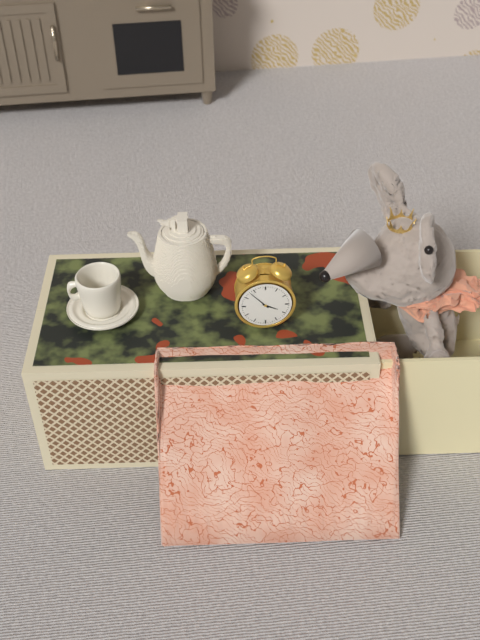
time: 3:53
